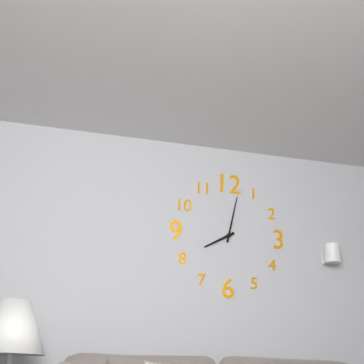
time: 8:02
